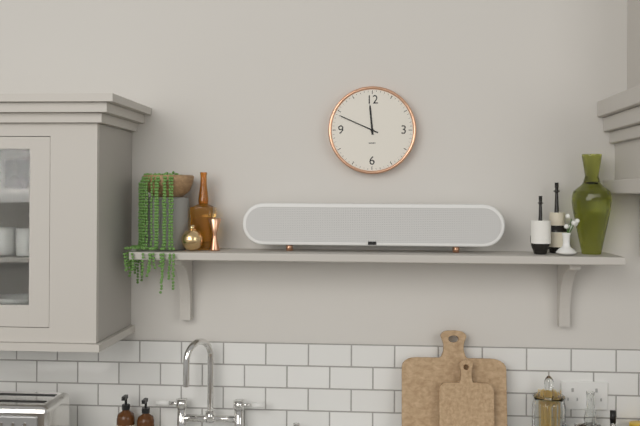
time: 11:49
